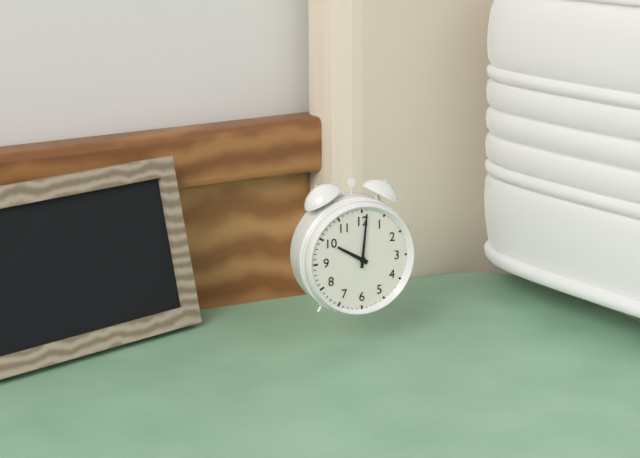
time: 10:01
